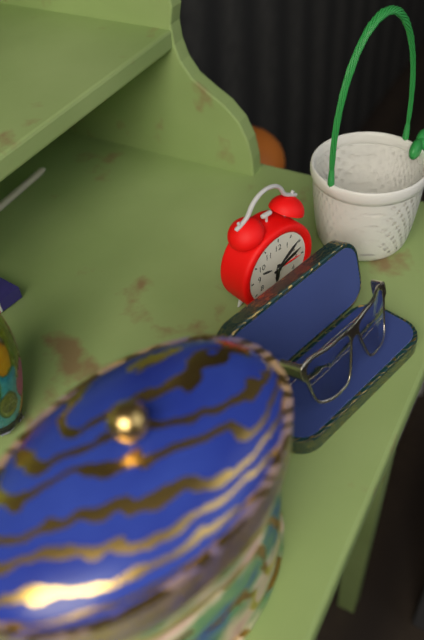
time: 6:12
